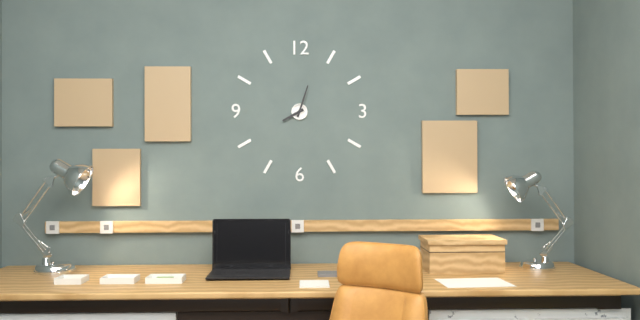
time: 8:03
